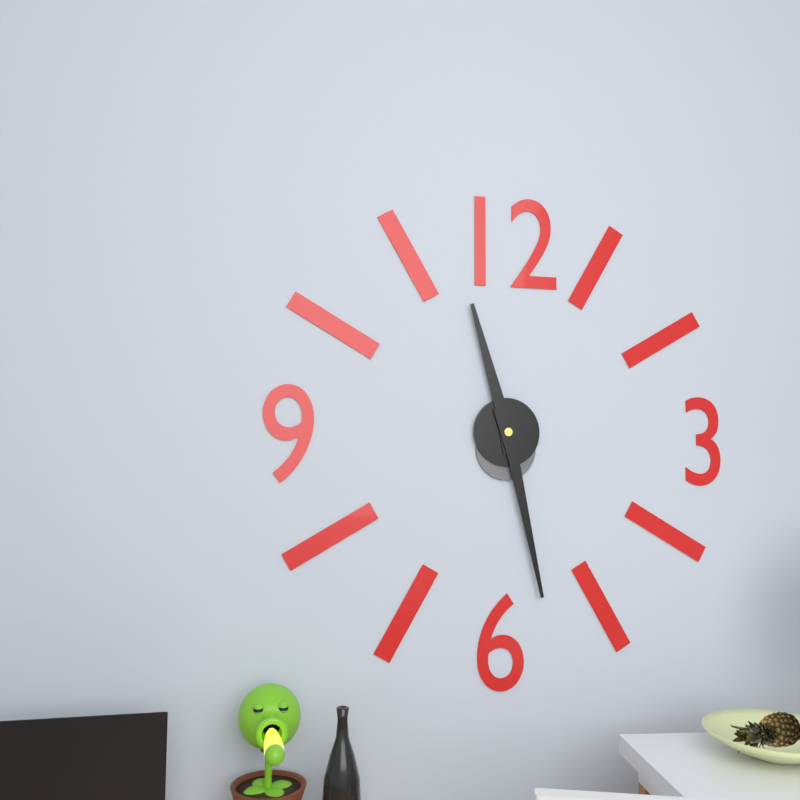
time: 11:28
